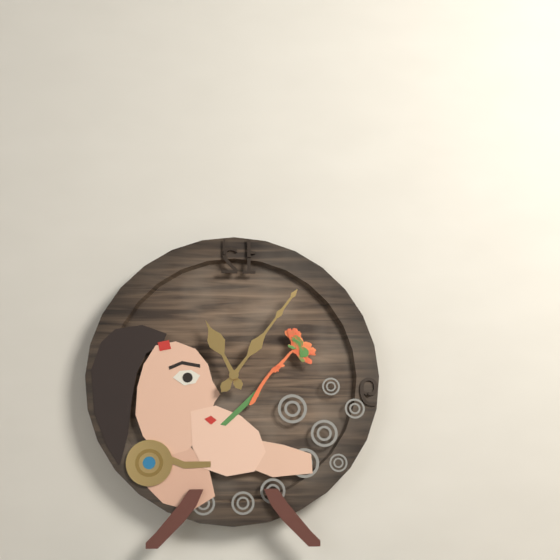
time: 11:06
